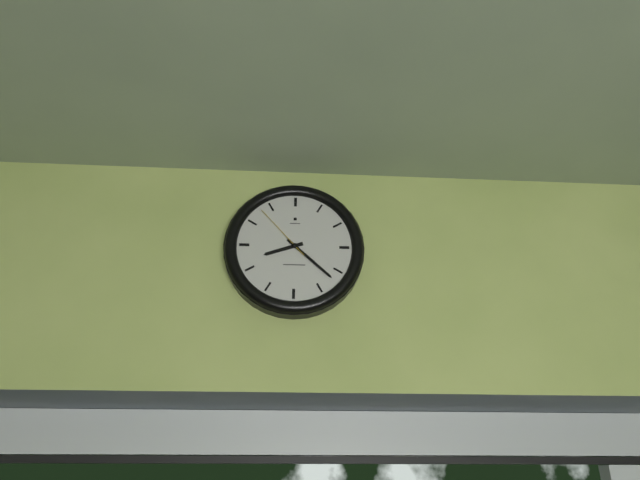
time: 8:22:53
